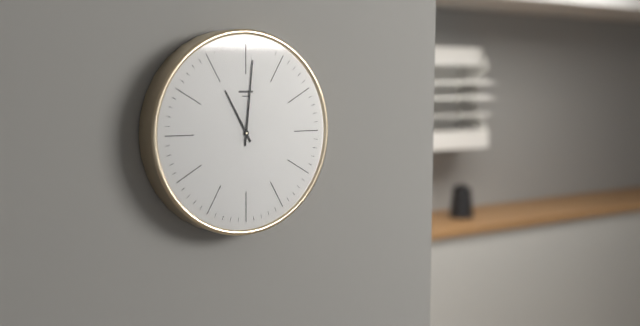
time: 11:01
